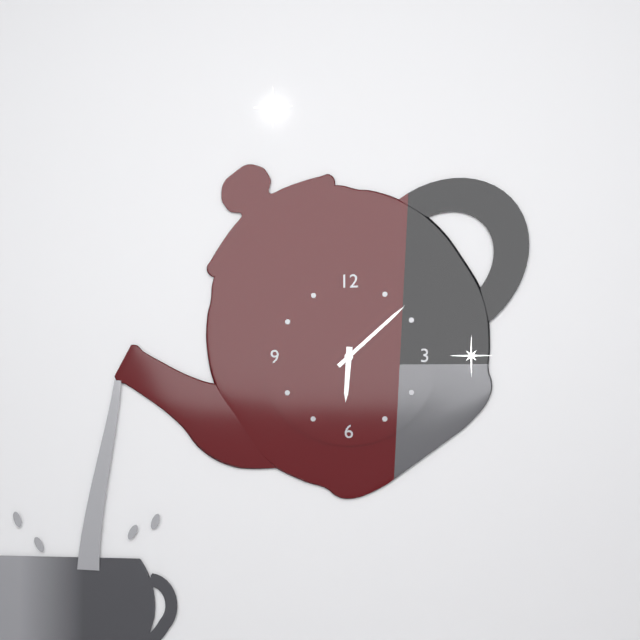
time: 6:08
